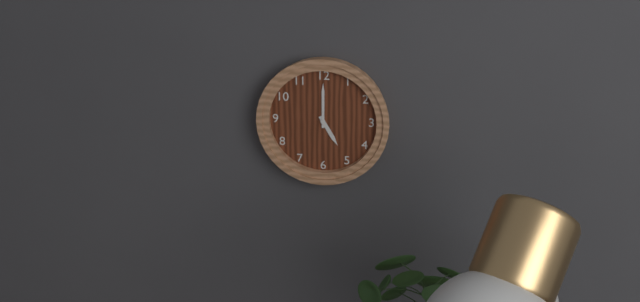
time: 5:00
